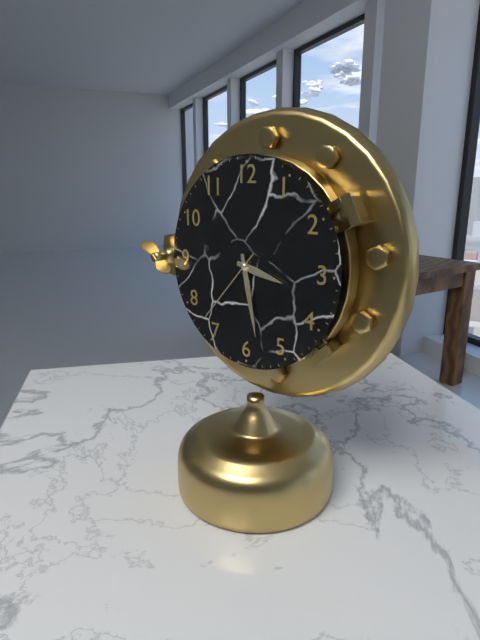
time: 3:28:37
